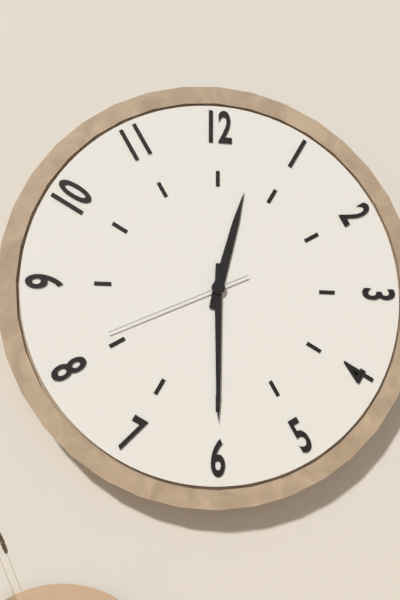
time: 12:30:41
